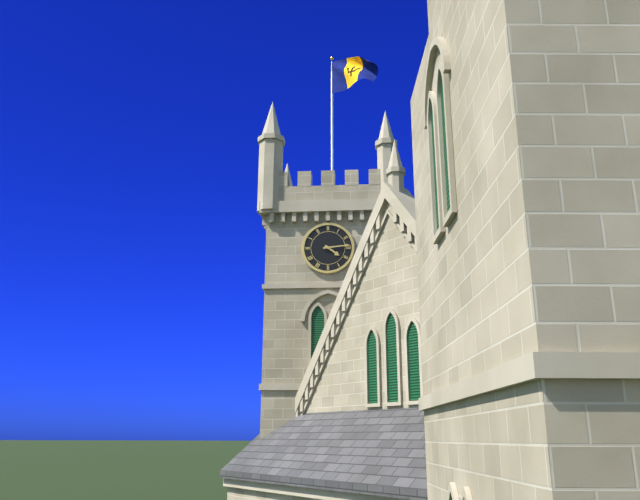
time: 4:14
